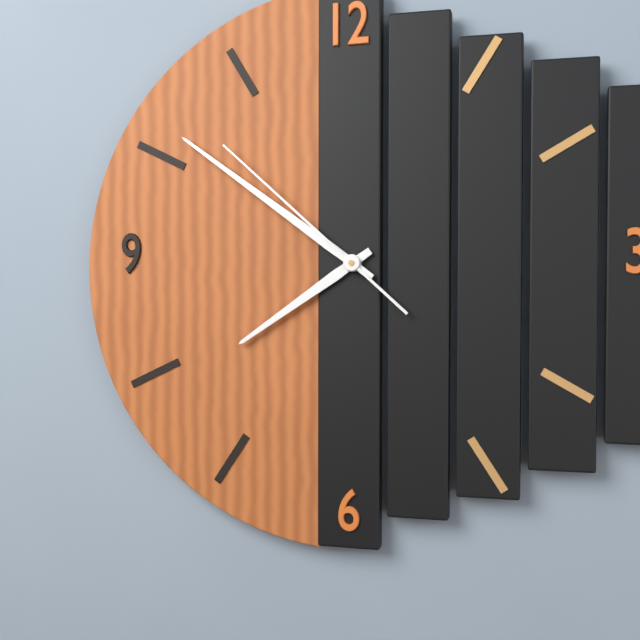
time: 7:51:52
